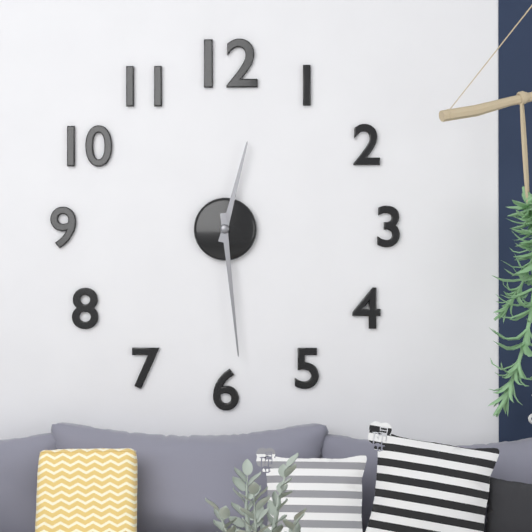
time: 12:29
